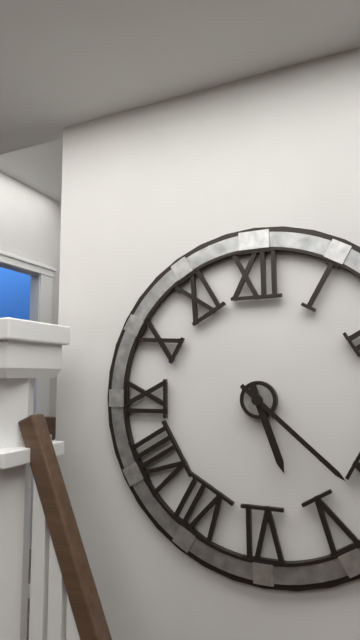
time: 5:22
